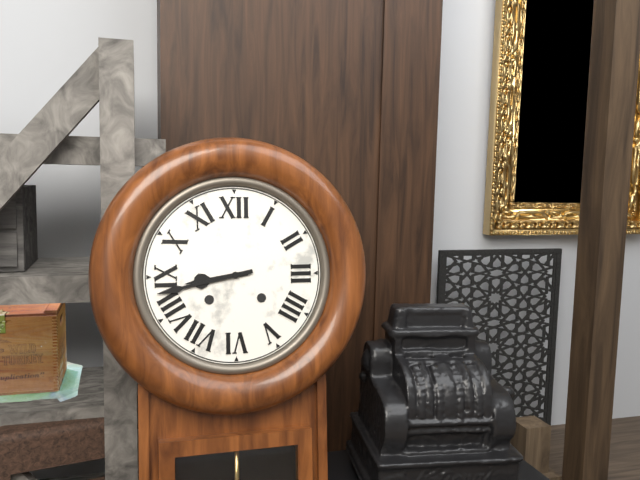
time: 8:43
